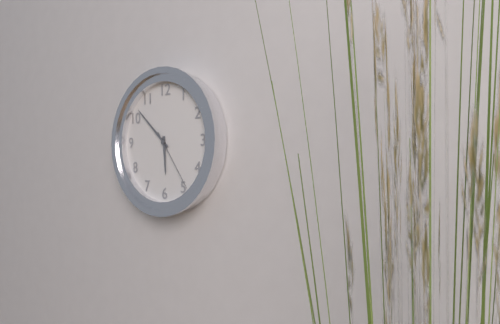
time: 5:52:24
